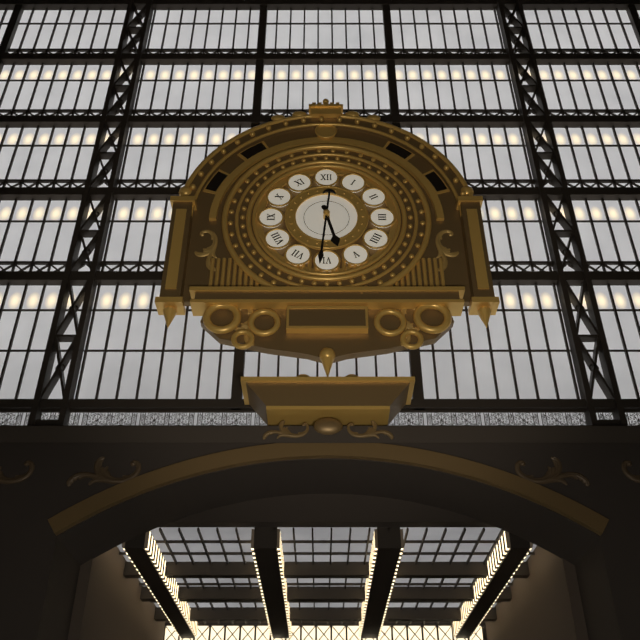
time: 5:31
